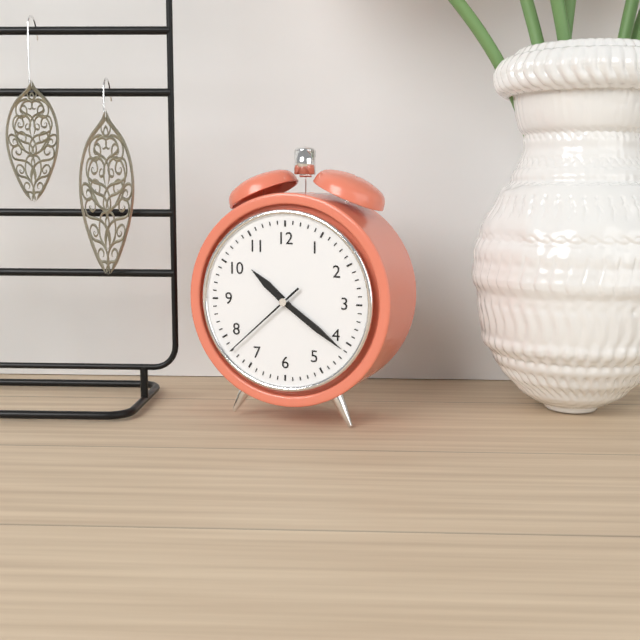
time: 10:21:38
